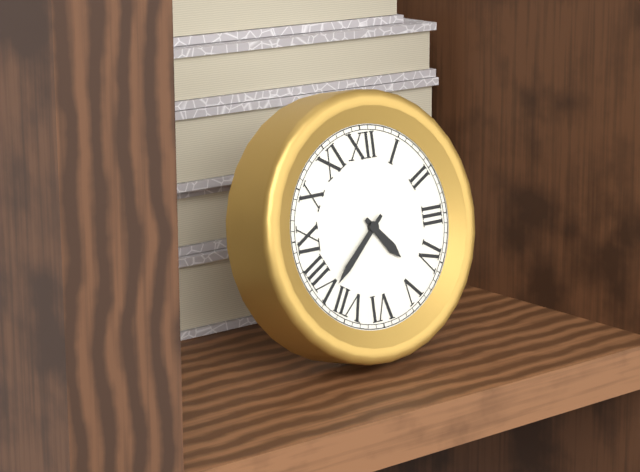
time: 4:38
